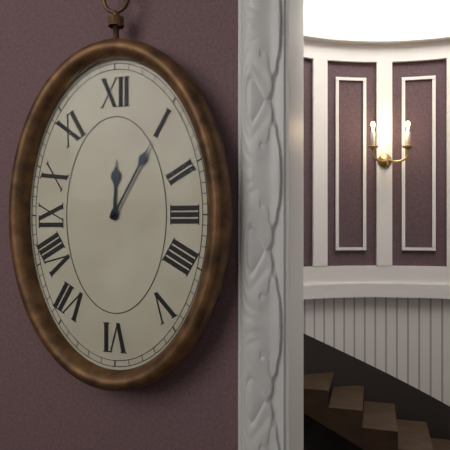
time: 12:05
